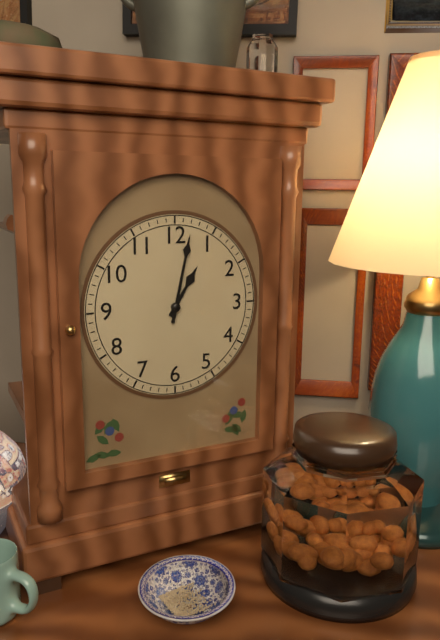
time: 1:02
